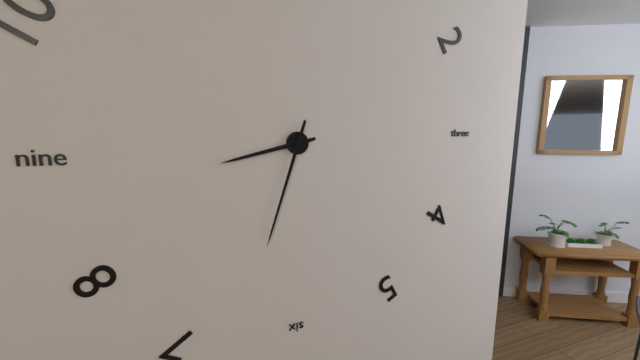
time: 8:33
